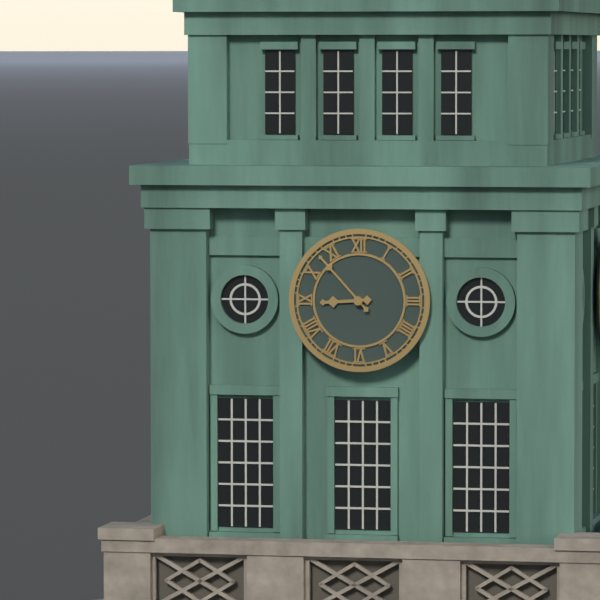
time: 8:53
